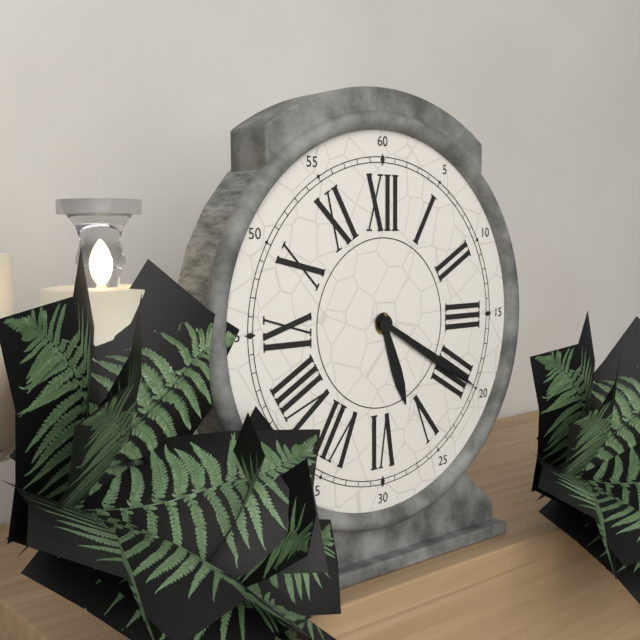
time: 5:20
